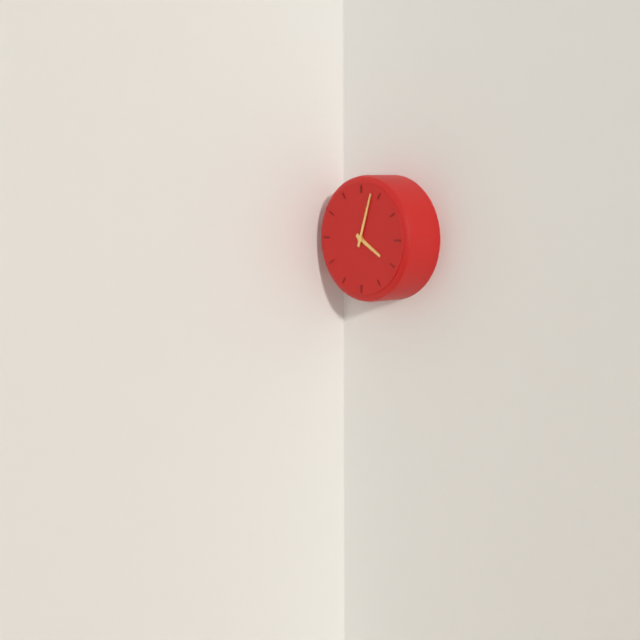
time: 4:03
